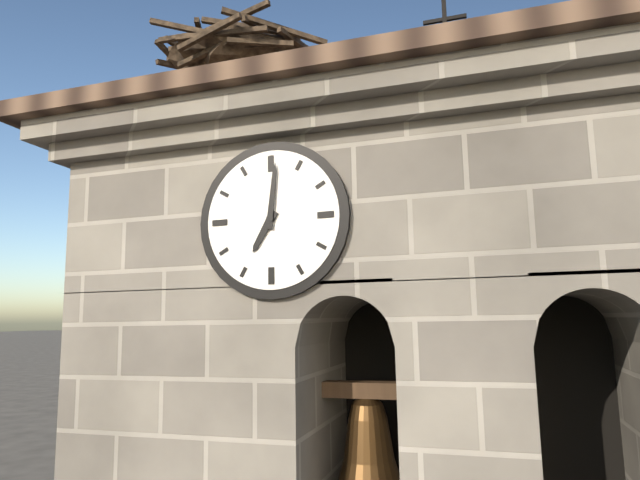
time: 7:01
